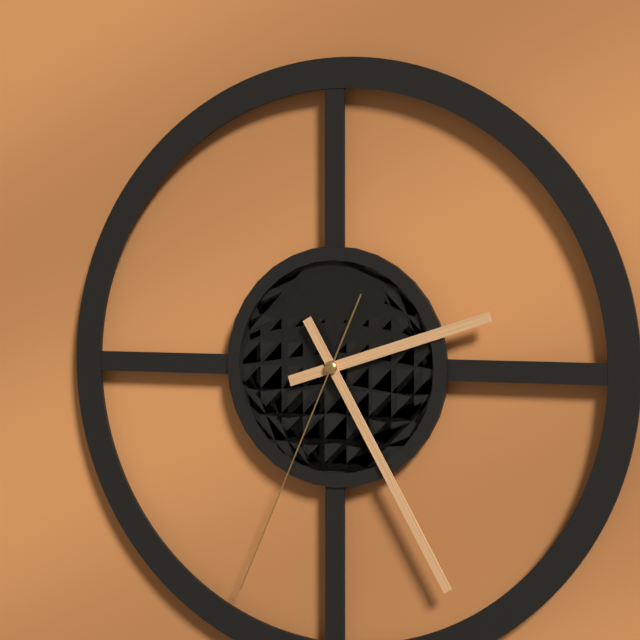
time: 2:25:34
